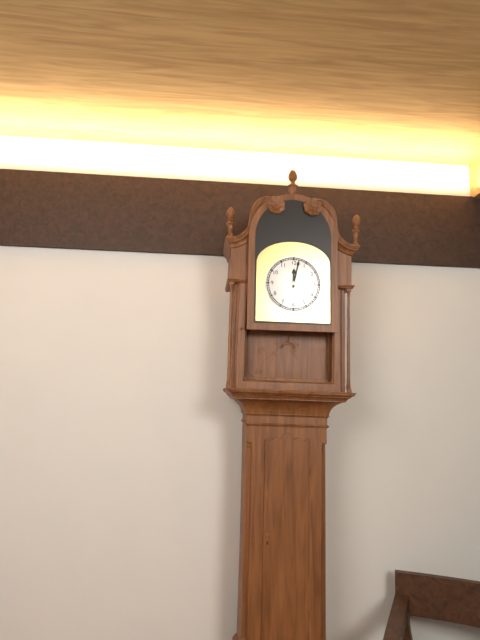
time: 12:02
